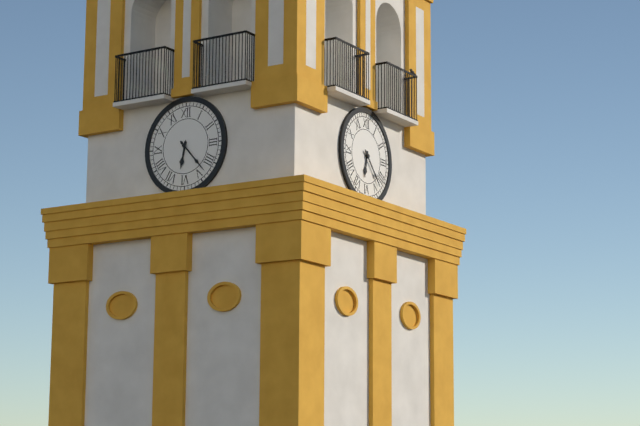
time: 6:23
